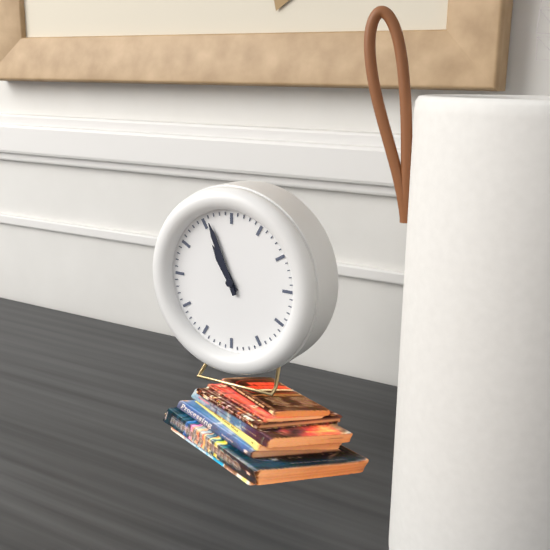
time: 10:56
